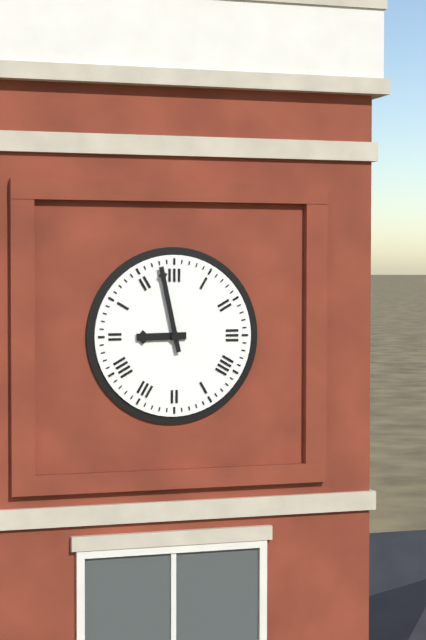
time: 8:58
